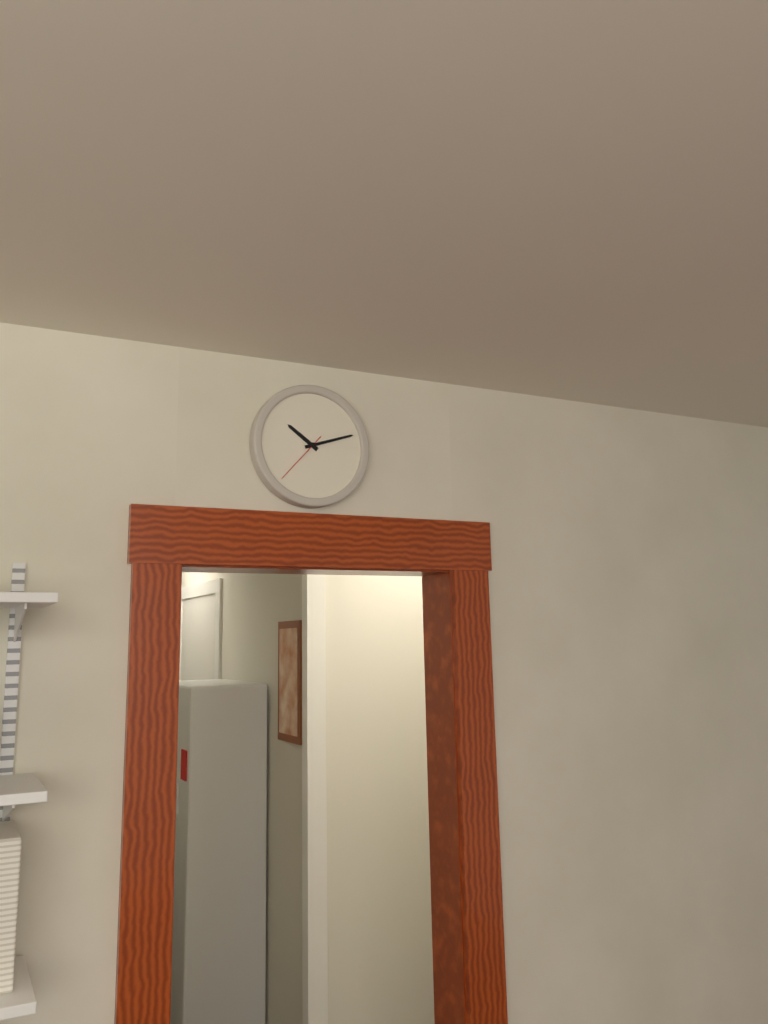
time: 10:12
